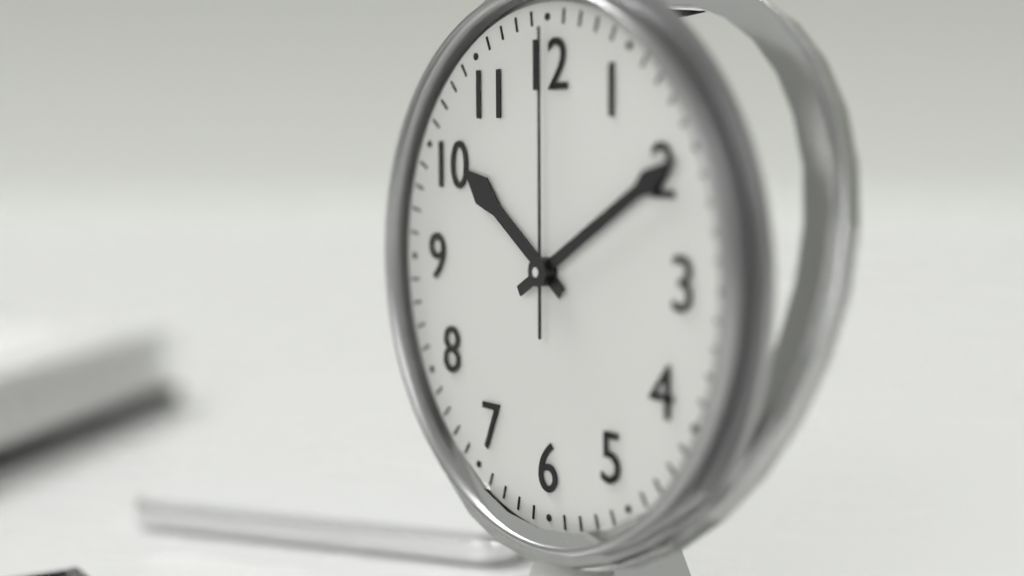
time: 10:10:00
